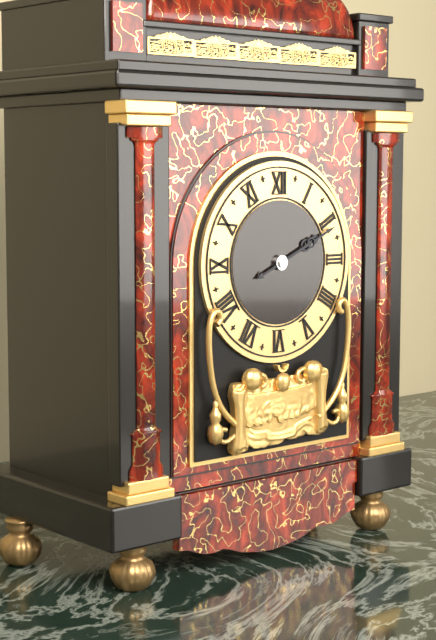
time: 2:11
